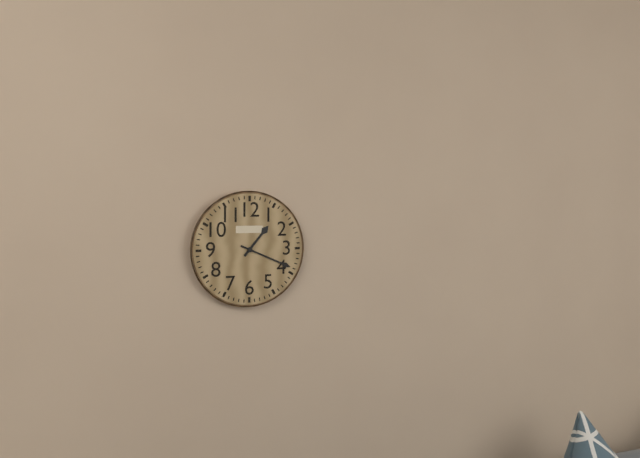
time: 1:19
